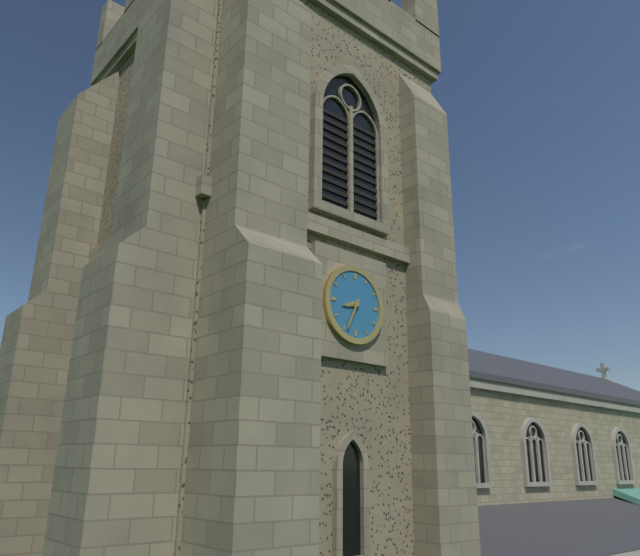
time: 8:34
